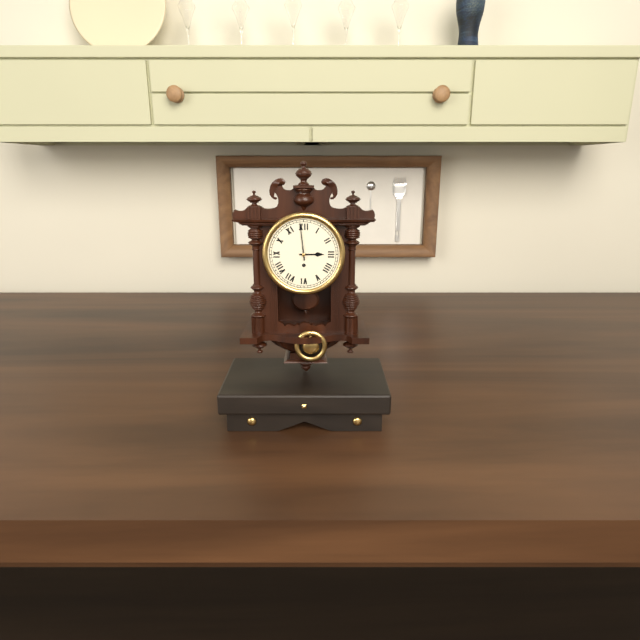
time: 2:59
